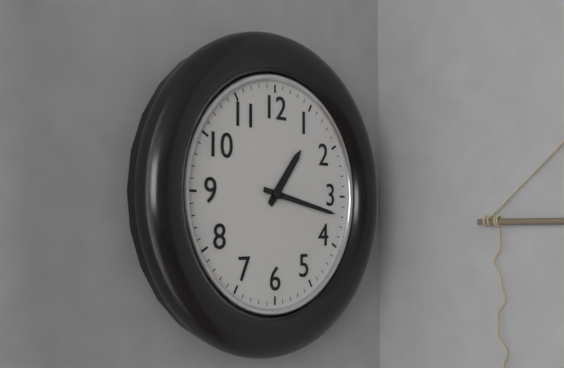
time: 1:17
